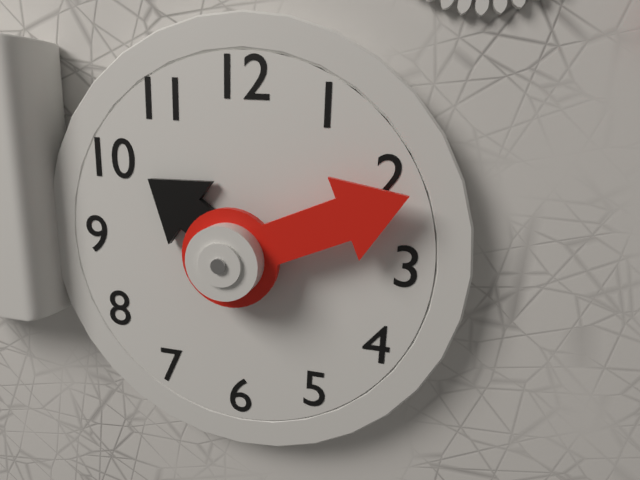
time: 10:11
